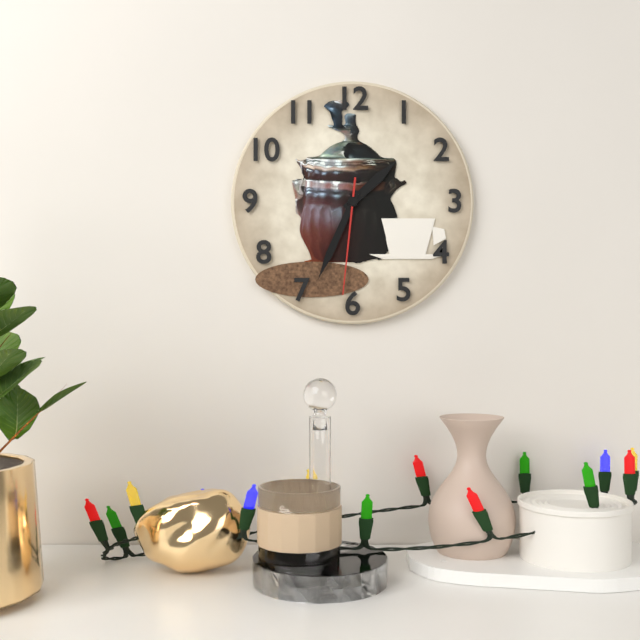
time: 1:34:31
